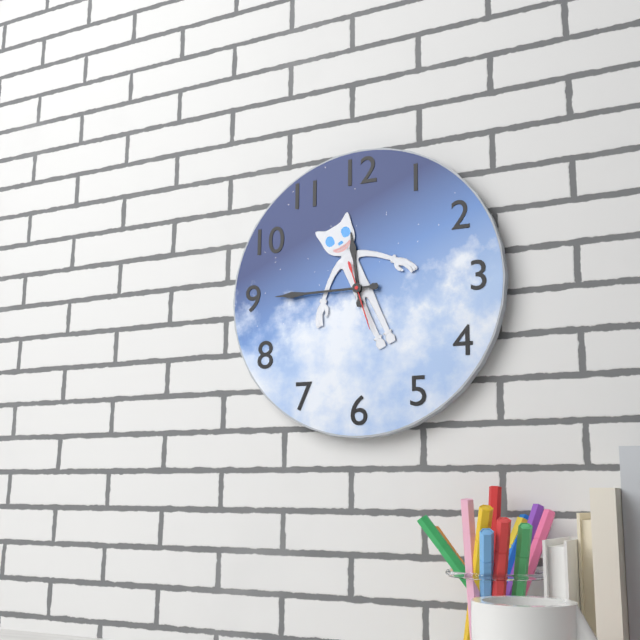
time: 11:45:27
